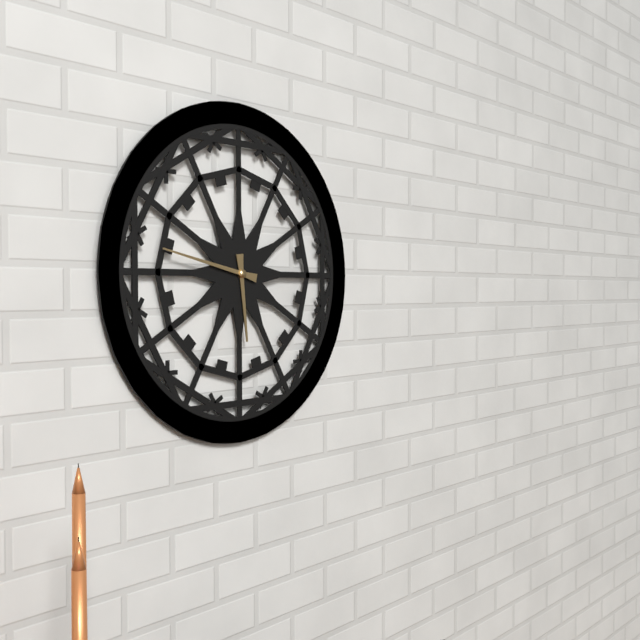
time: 5:47
